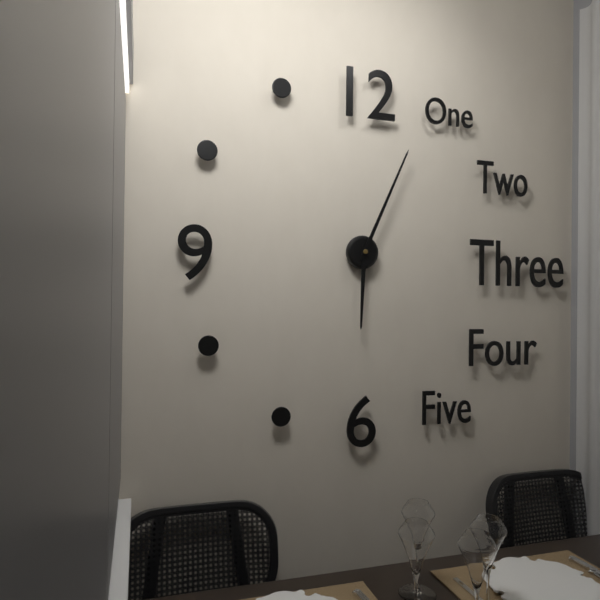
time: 6:04
